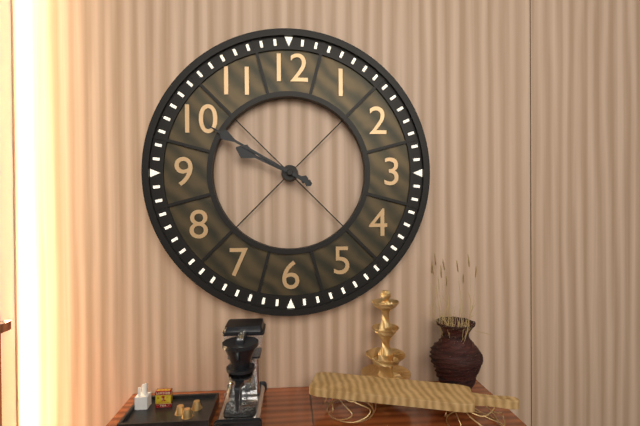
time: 9:50
